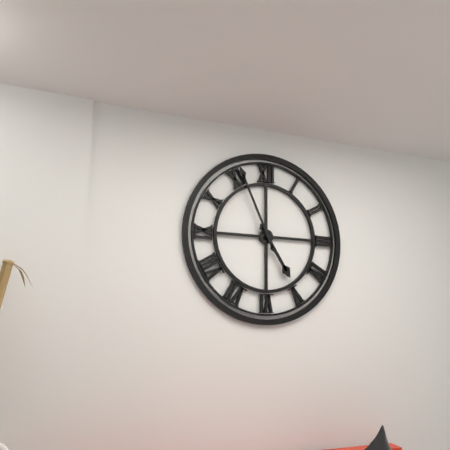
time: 4:56
